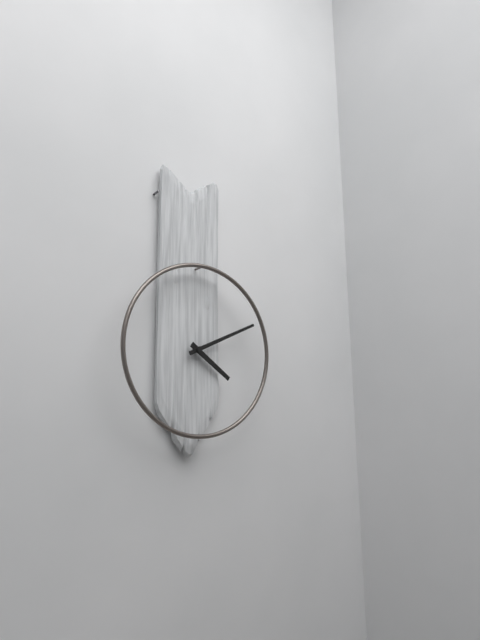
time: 4:11
